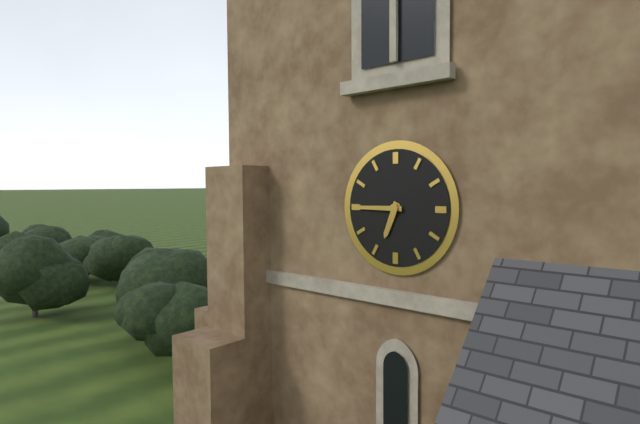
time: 6:45
